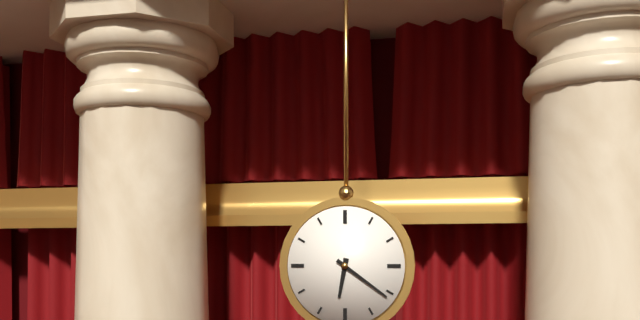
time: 6:21
